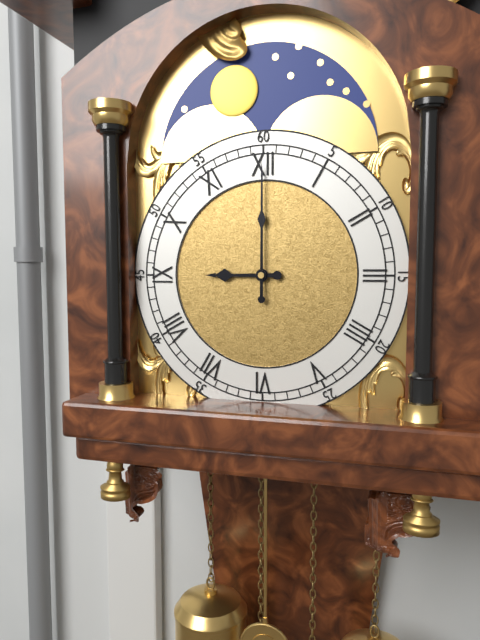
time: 9:00
